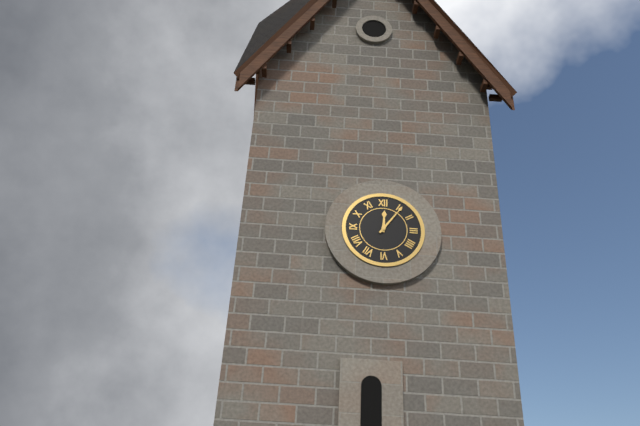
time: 12:06
